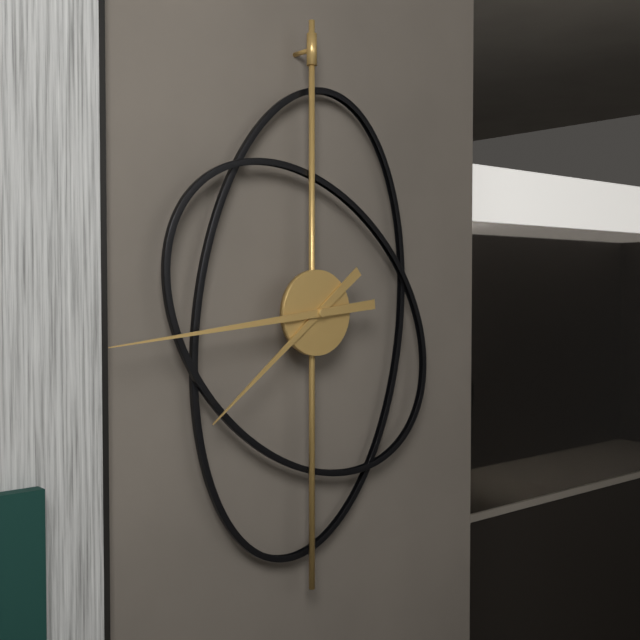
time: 7:44
